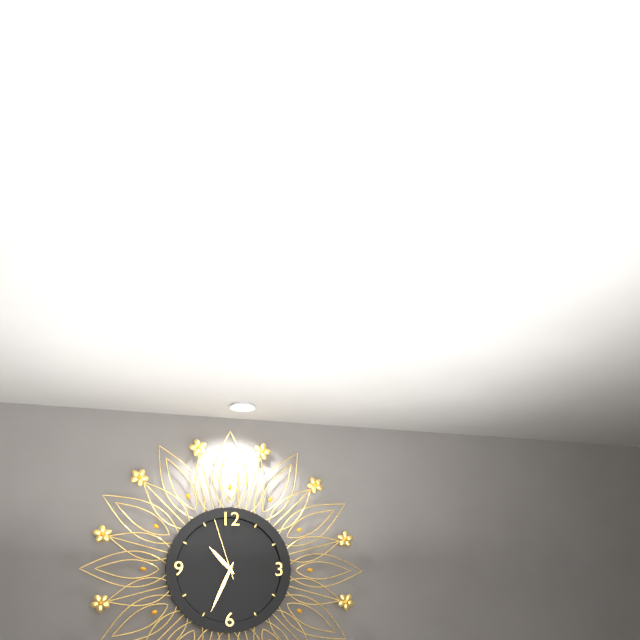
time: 10:34:57
